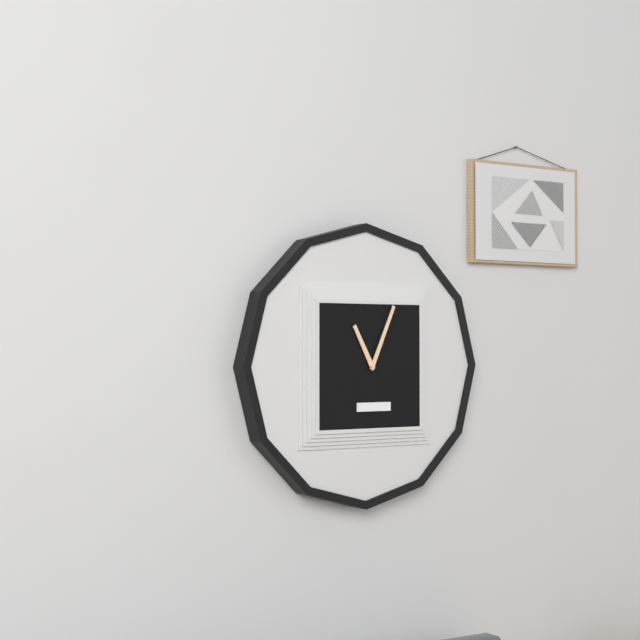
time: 11:04
